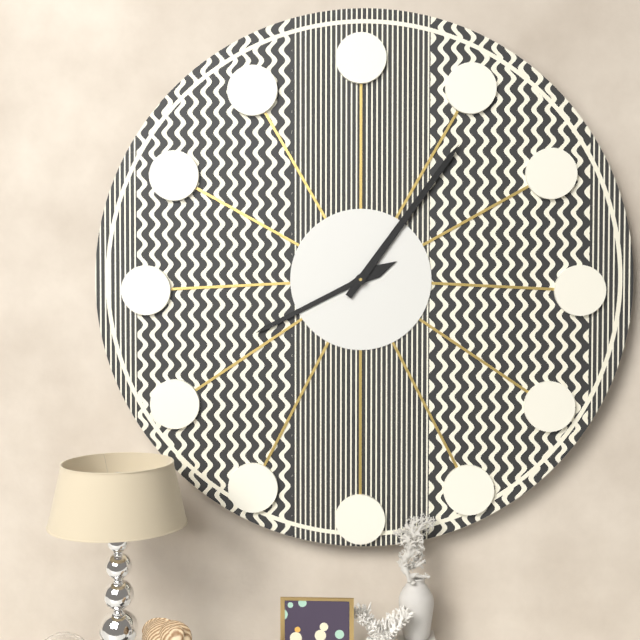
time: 8:06
